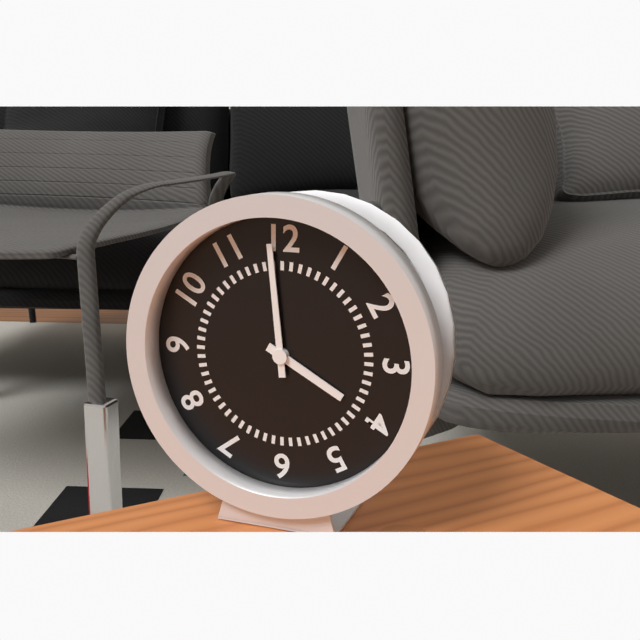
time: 3:59
